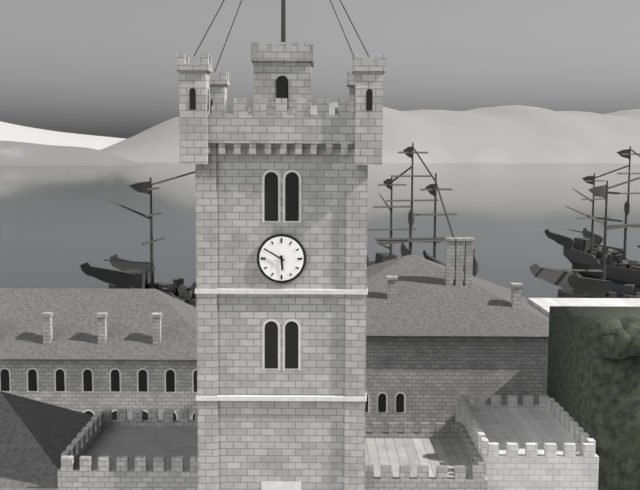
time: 5:50
